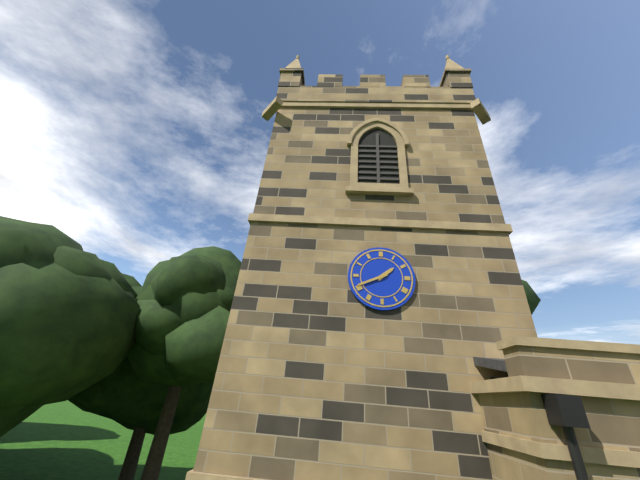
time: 1:41
